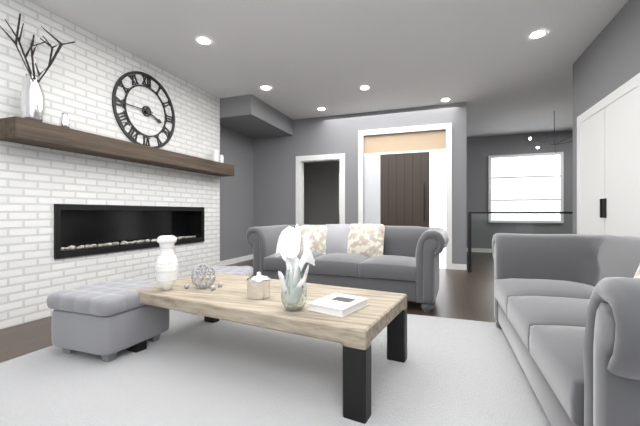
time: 3:45
